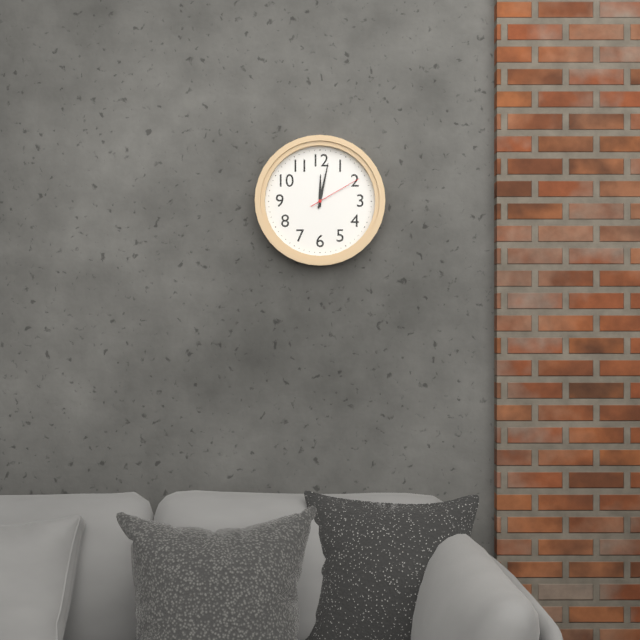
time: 12:02:10
